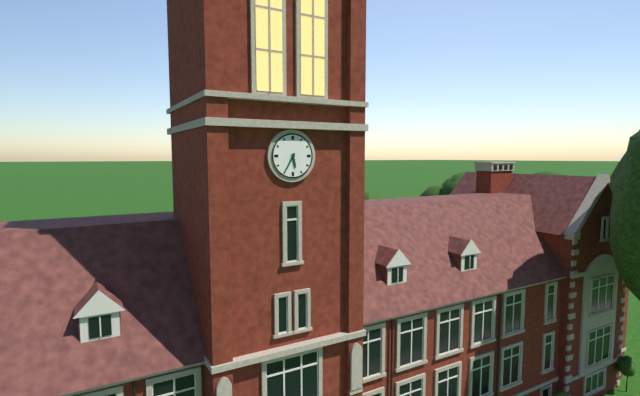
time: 5:35
